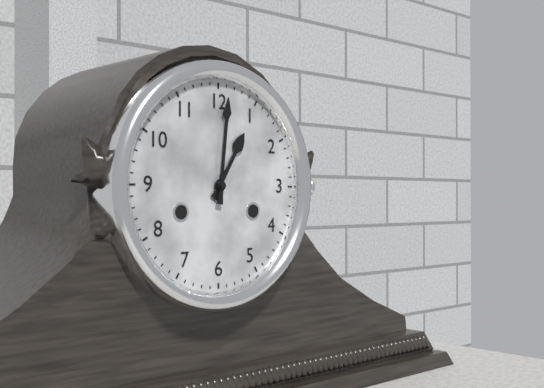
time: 1:01
